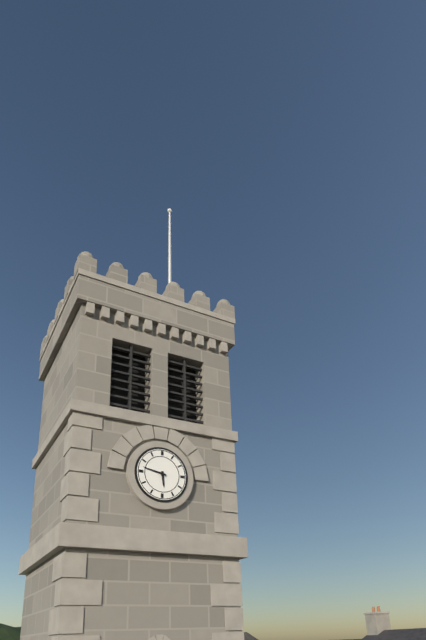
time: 5:47
